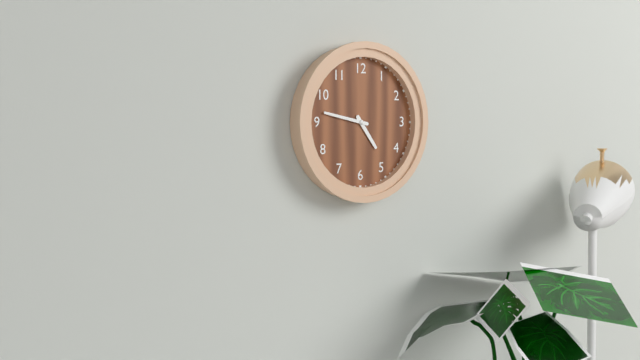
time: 4:47
